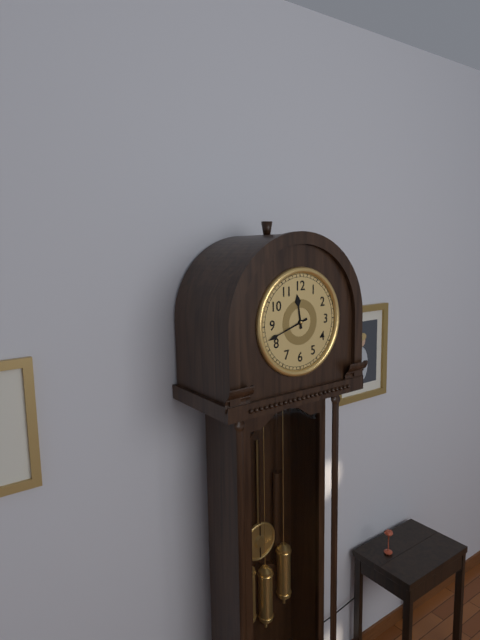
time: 11:42
